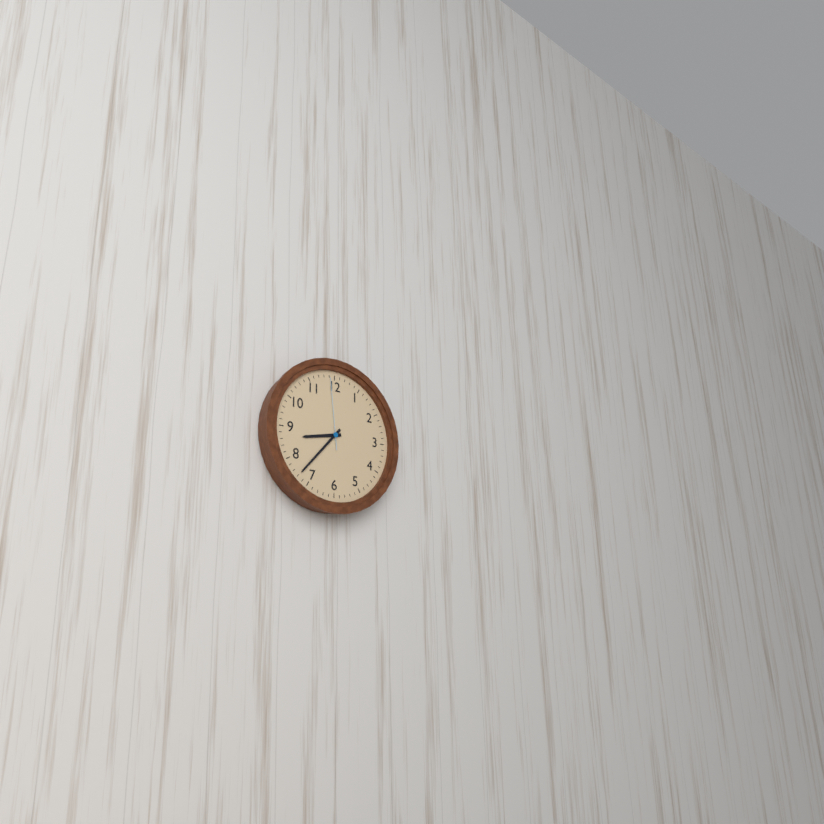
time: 8:37:59
